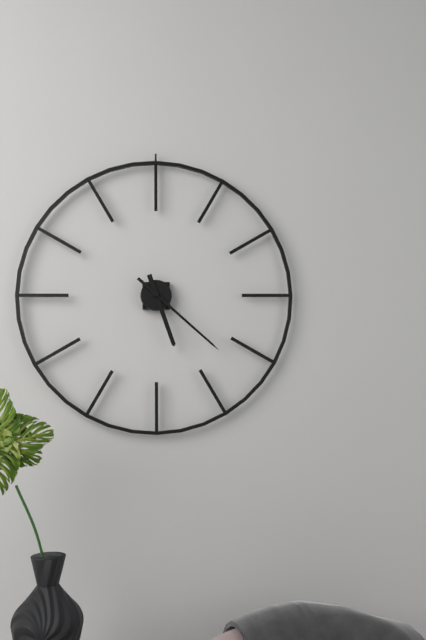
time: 5:22
